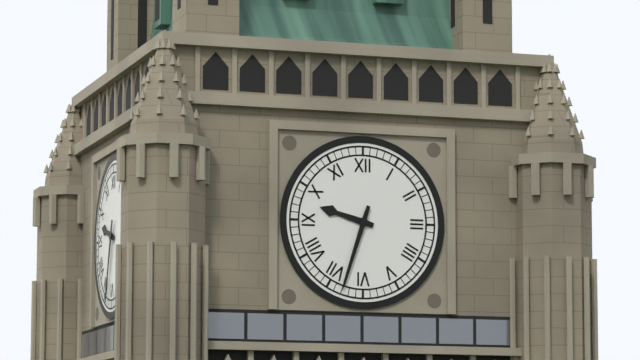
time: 9:33
